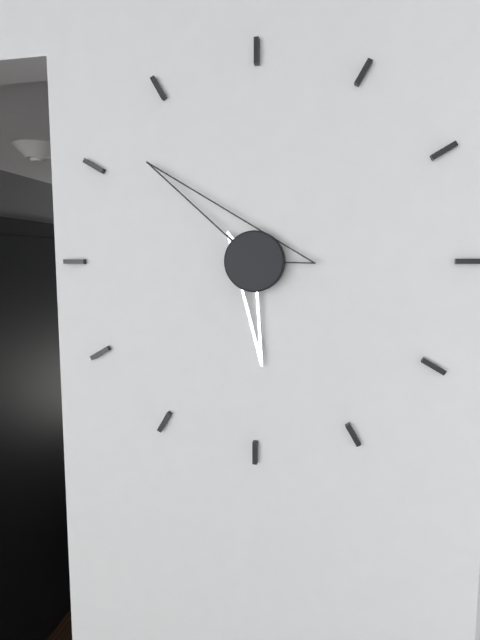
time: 5:52
